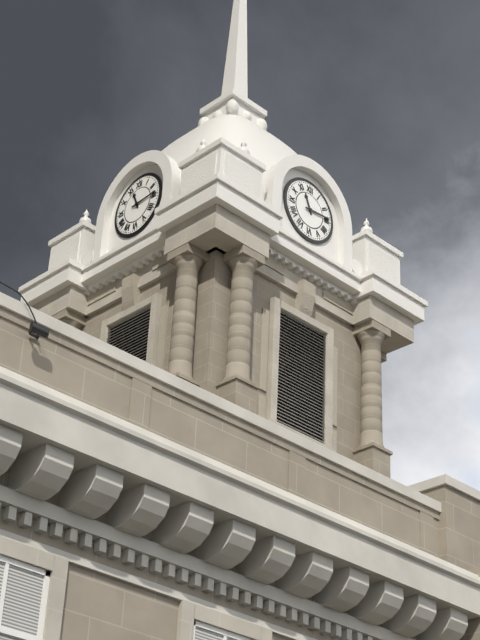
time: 11:14
